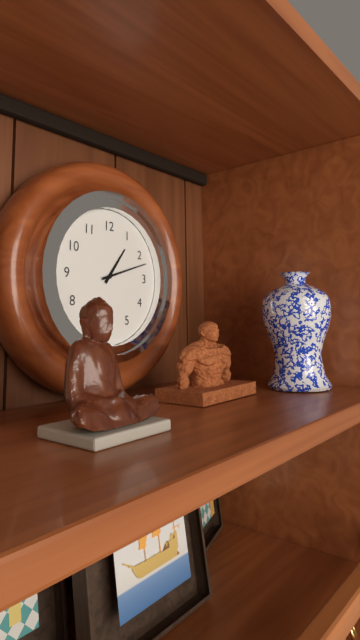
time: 1:12
